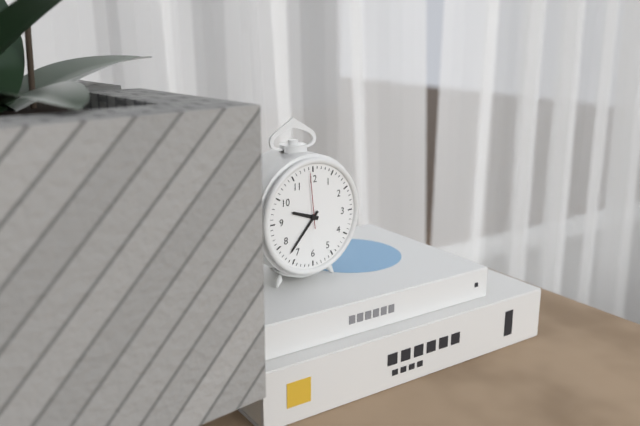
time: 9:37:59
